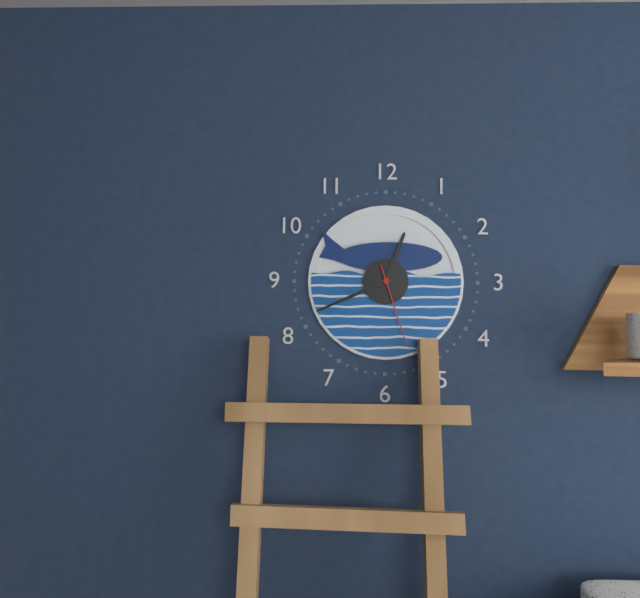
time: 12:41:27
